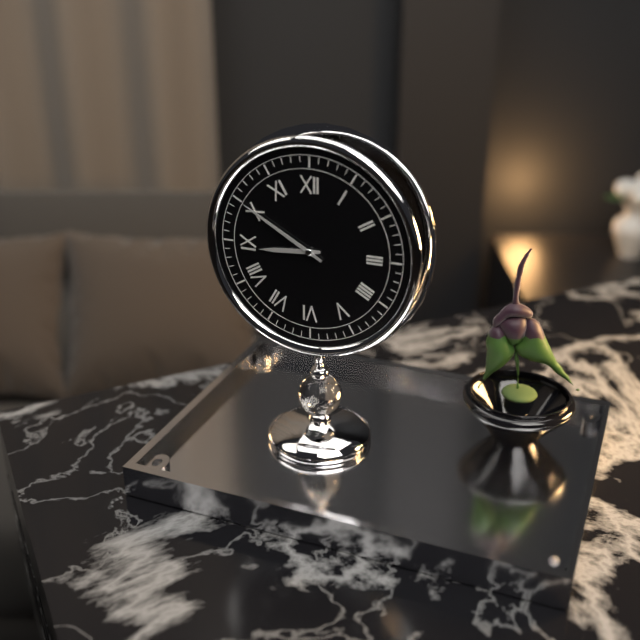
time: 8:50
